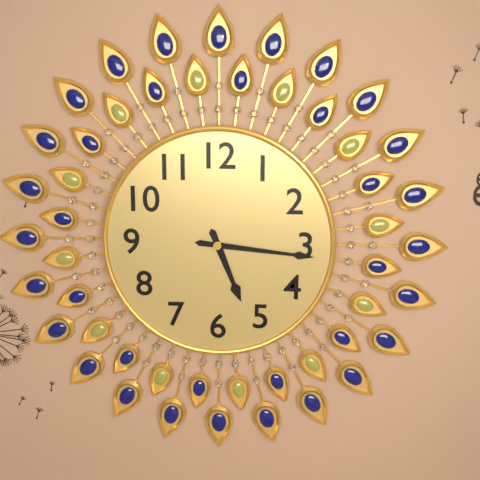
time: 5:16
